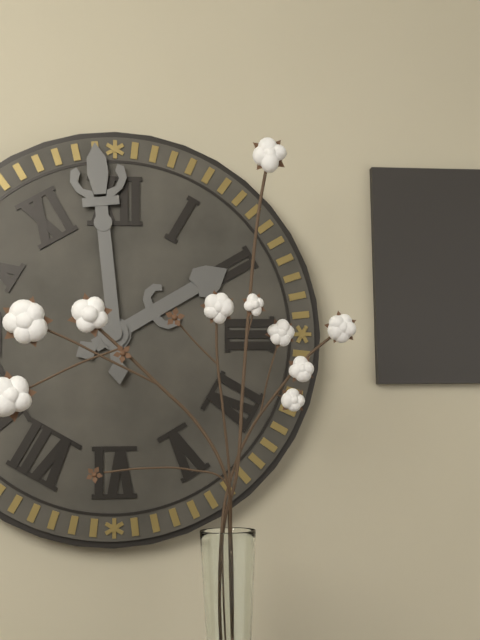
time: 1:59
